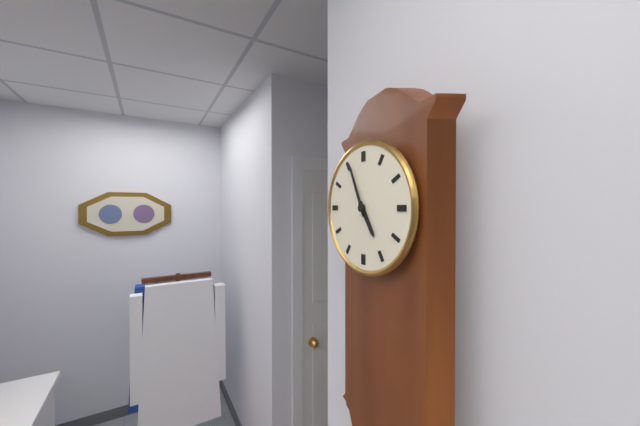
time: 4:56
